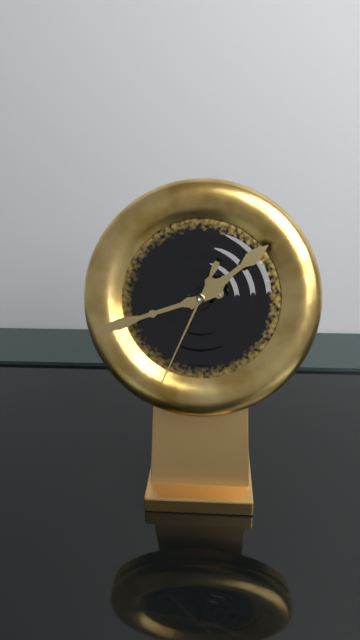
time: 1:42:34
